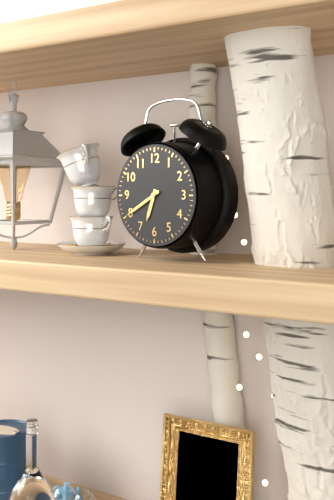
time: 6:40
